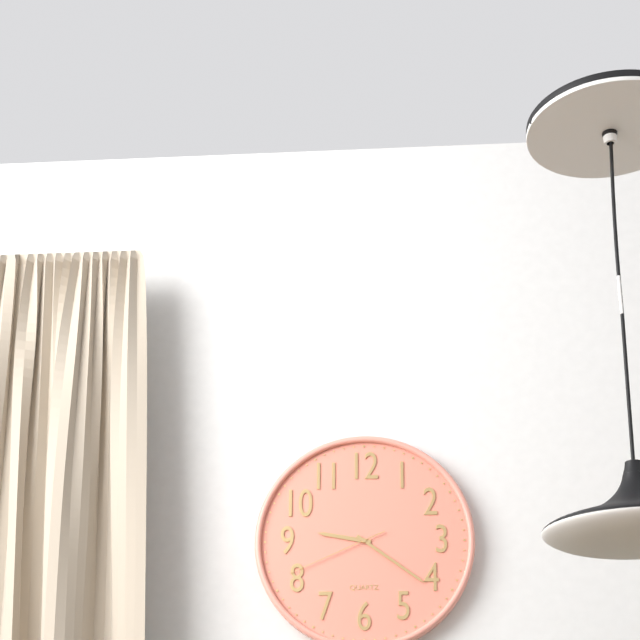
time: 9:21:41
